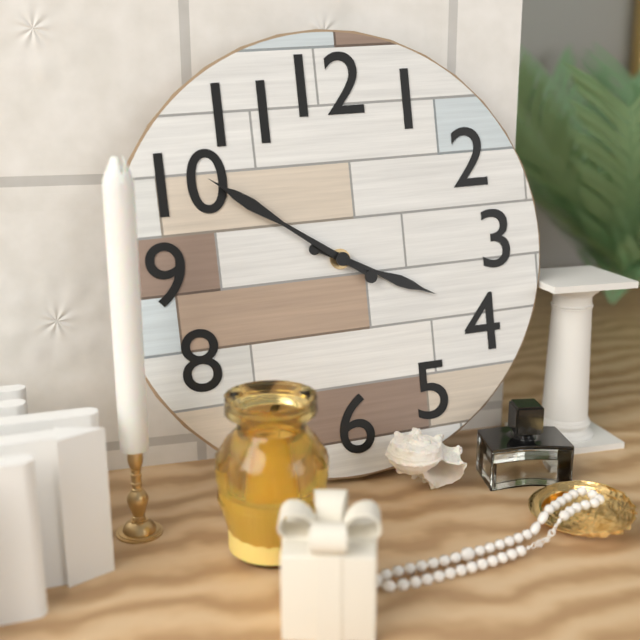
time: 3:51
